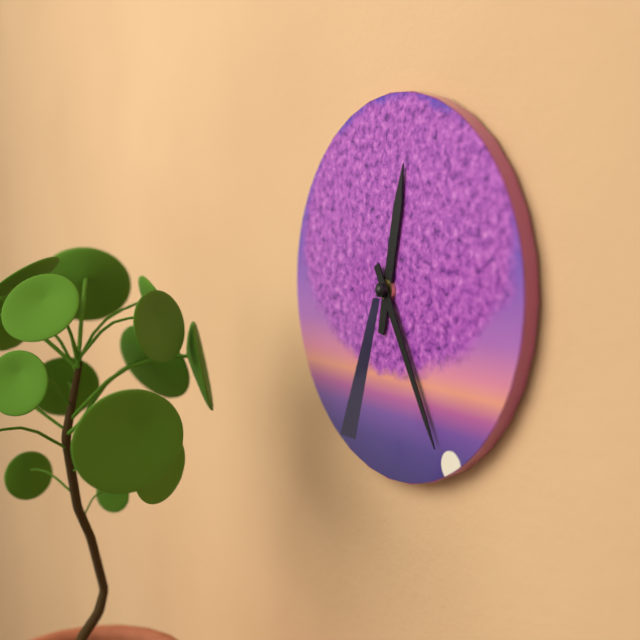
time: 12:25
